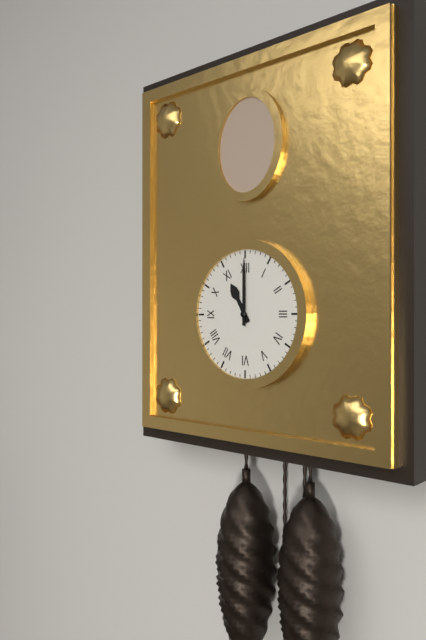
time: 11:00
